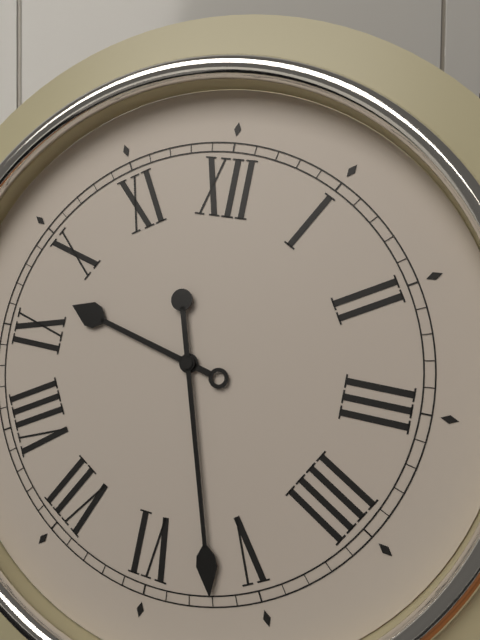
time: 9:27
